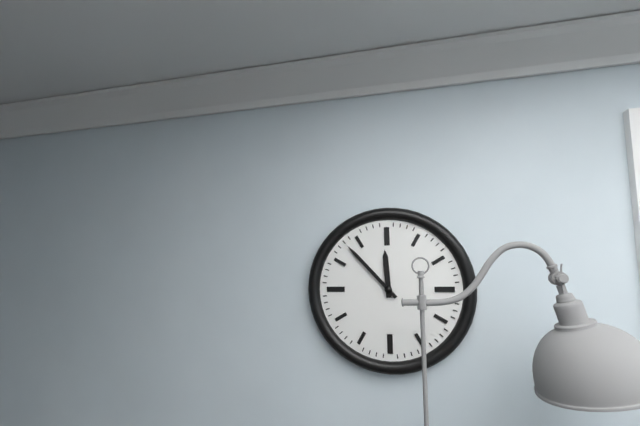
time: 11:53
